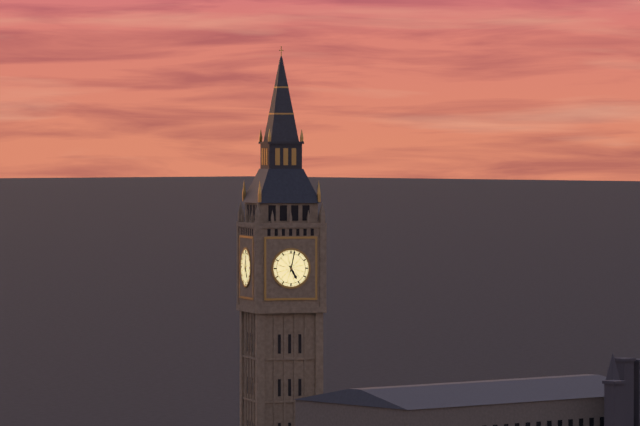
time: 5:02
